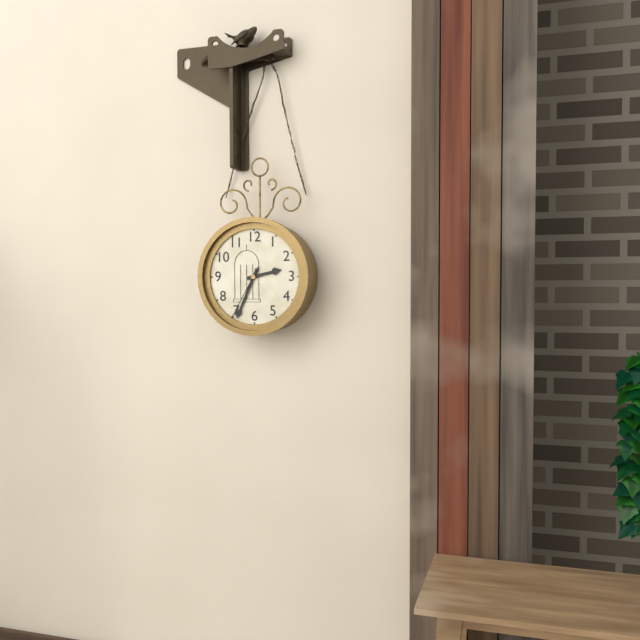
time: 2:34:35
